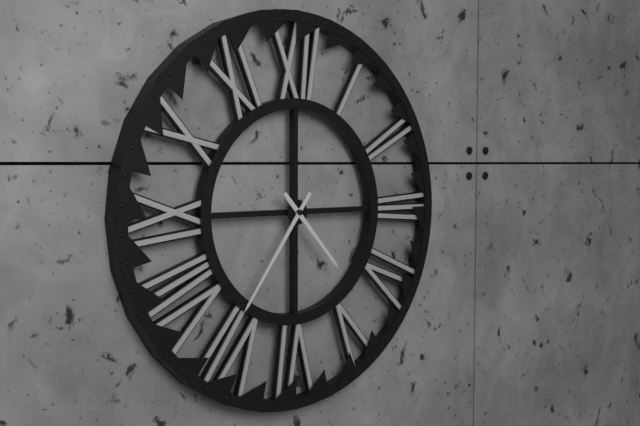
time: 4:36
